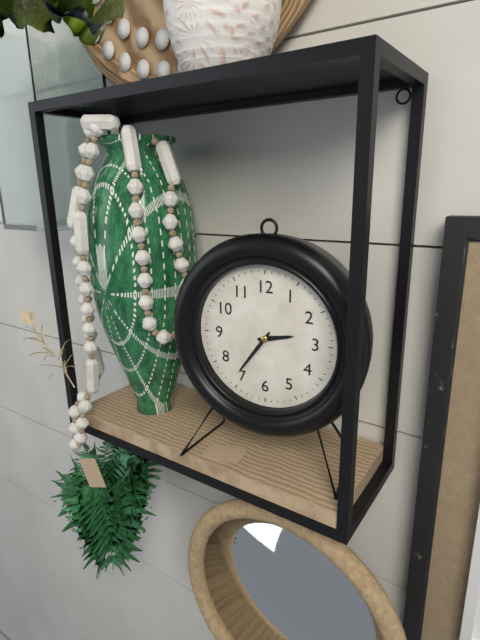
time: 2:36
